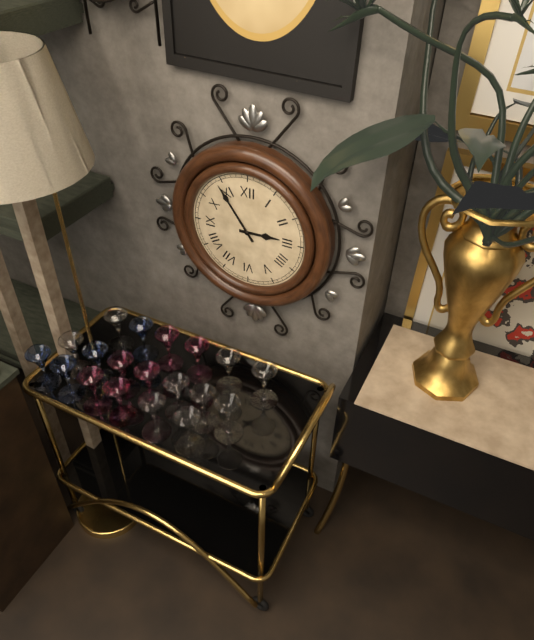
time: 2:54
